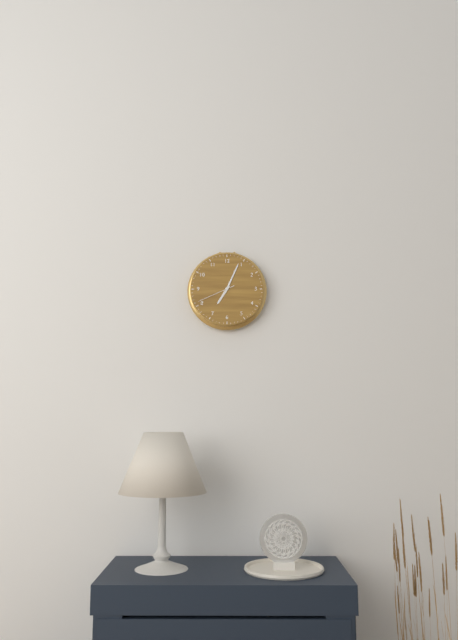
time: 7:04
